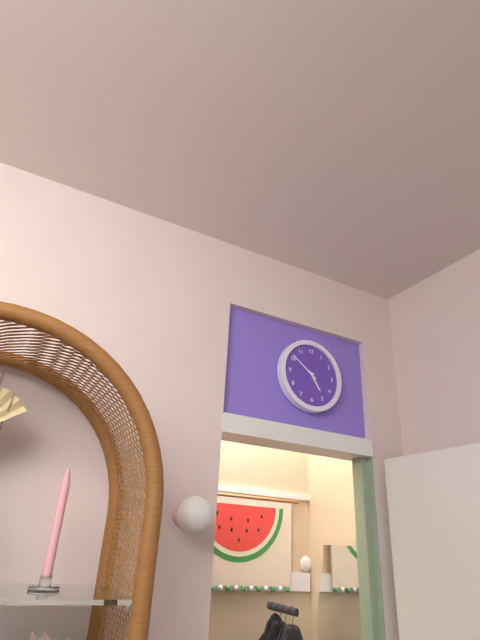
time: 4:51
